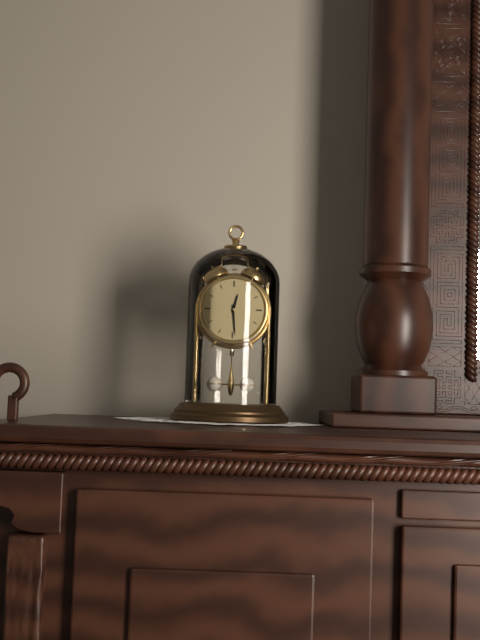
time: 12:29
